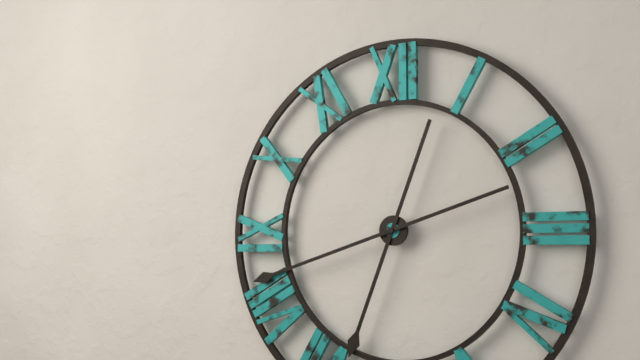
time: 6:42
